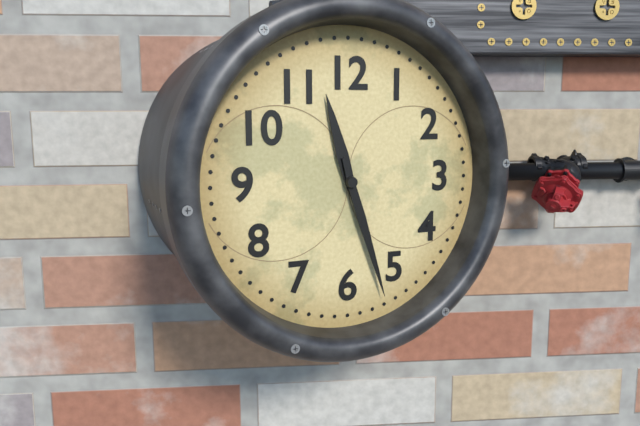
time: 11:27
